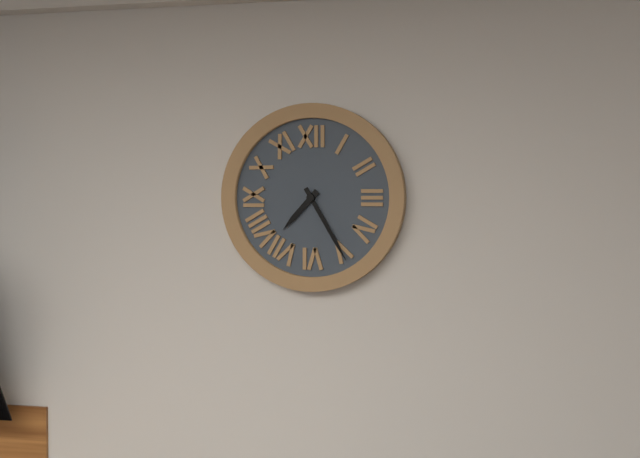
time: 7:25
